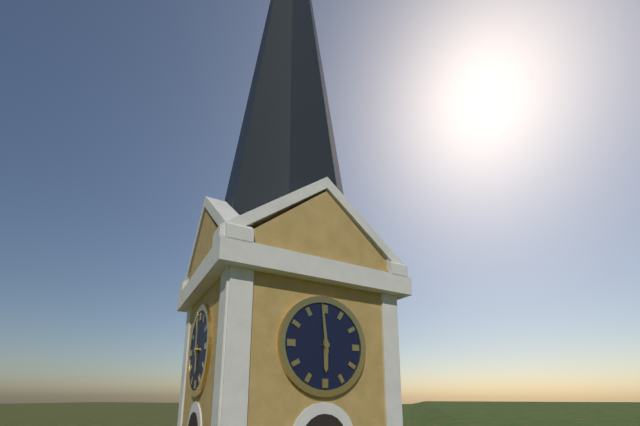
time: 5:59
